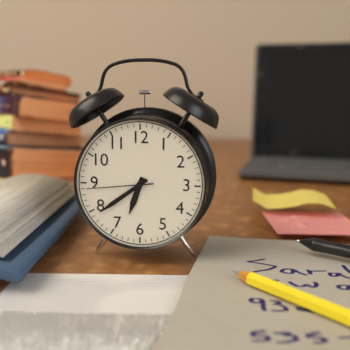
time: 6:39:44
